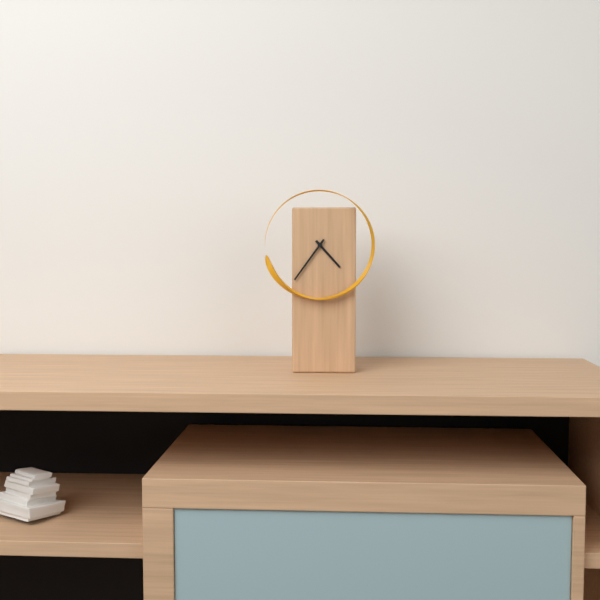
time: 4:36
